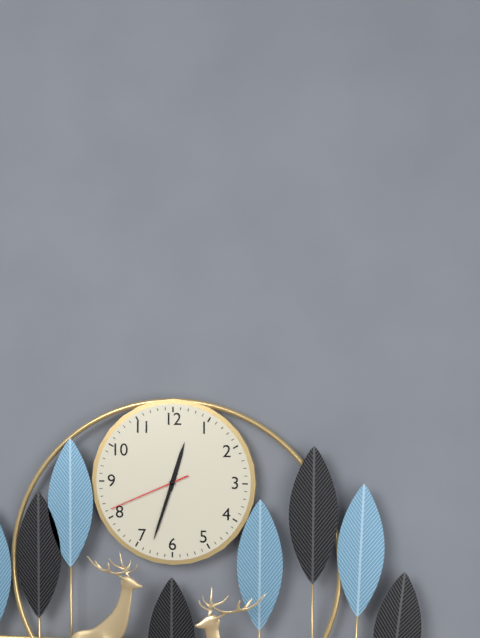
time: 12:33:41
